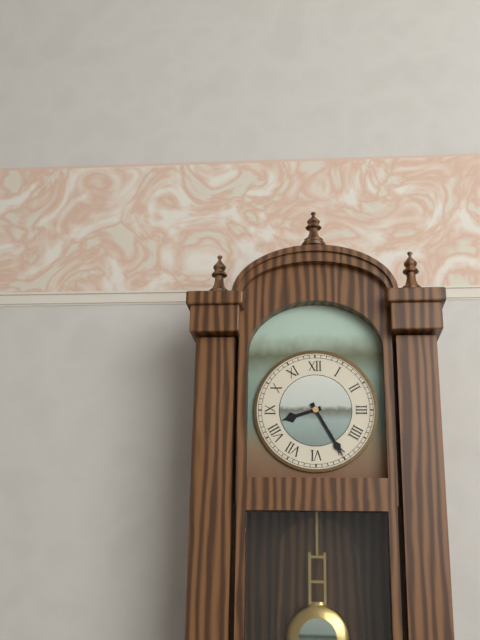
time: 8:25
